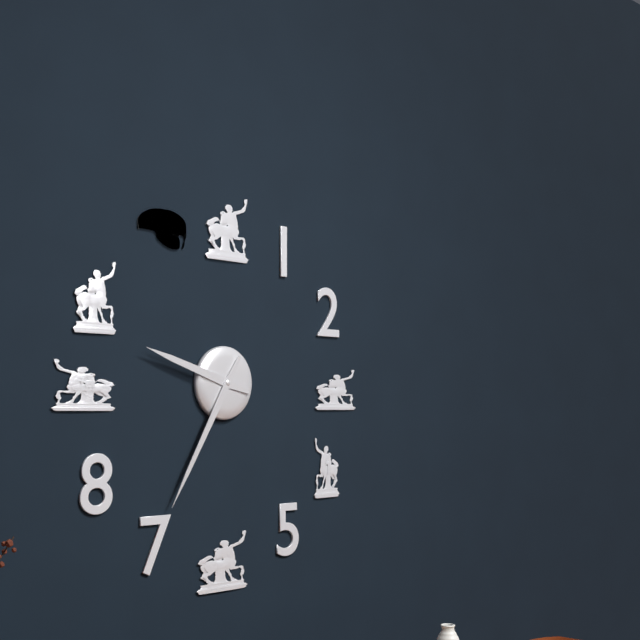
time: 9:35
